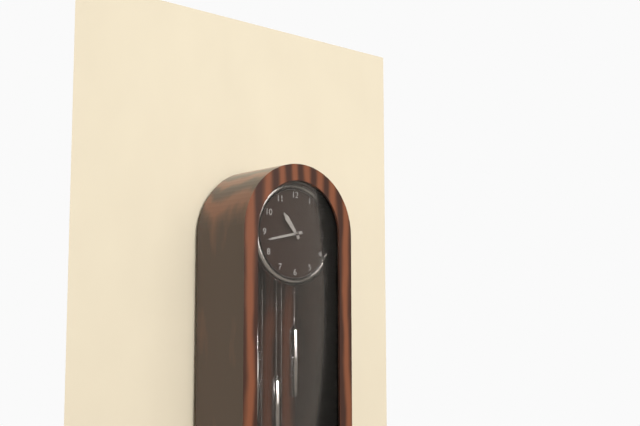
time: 10:43
